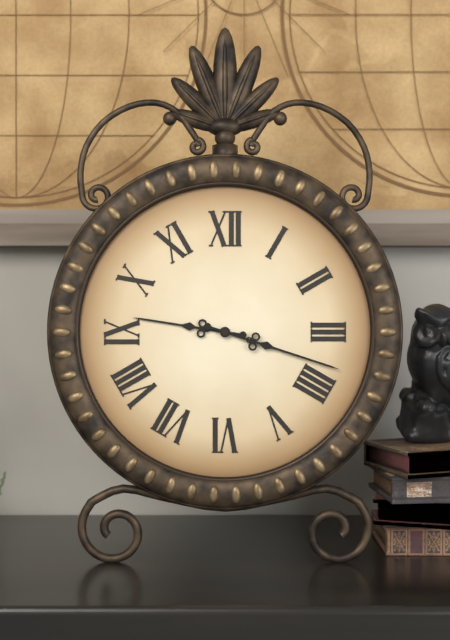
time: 9:18
